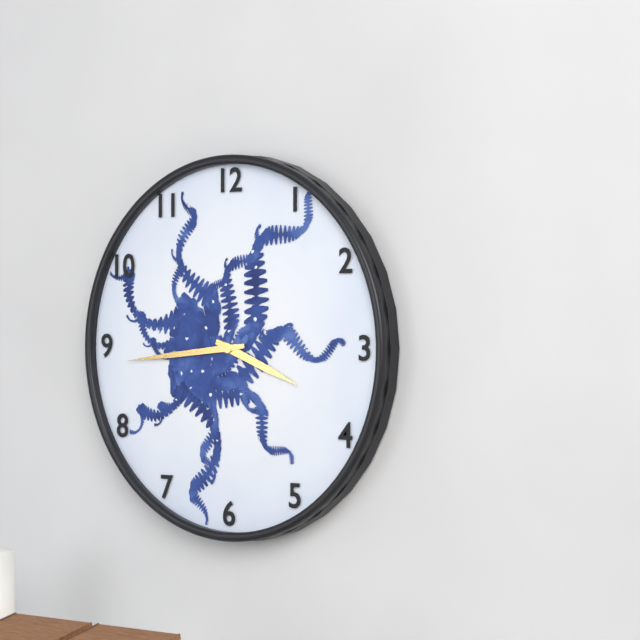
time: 3:44
